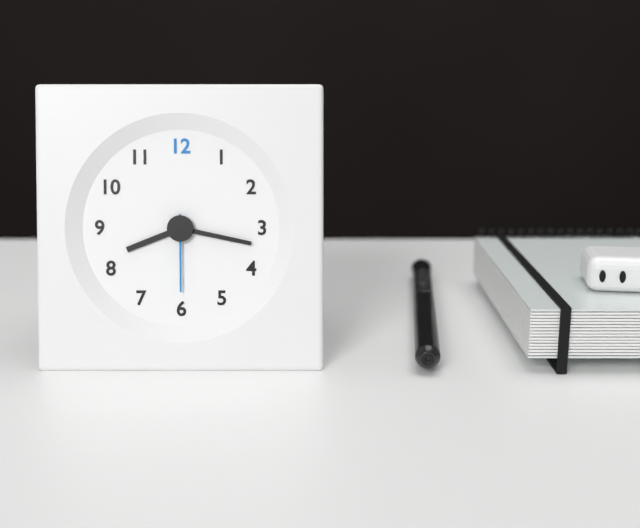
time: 8:17:30
